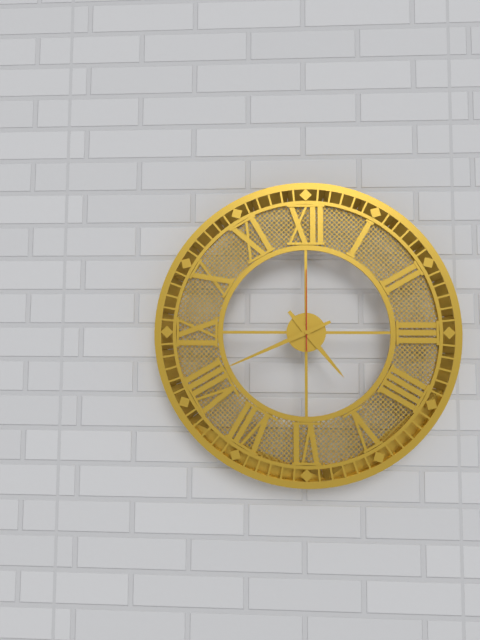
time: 4:41:00
